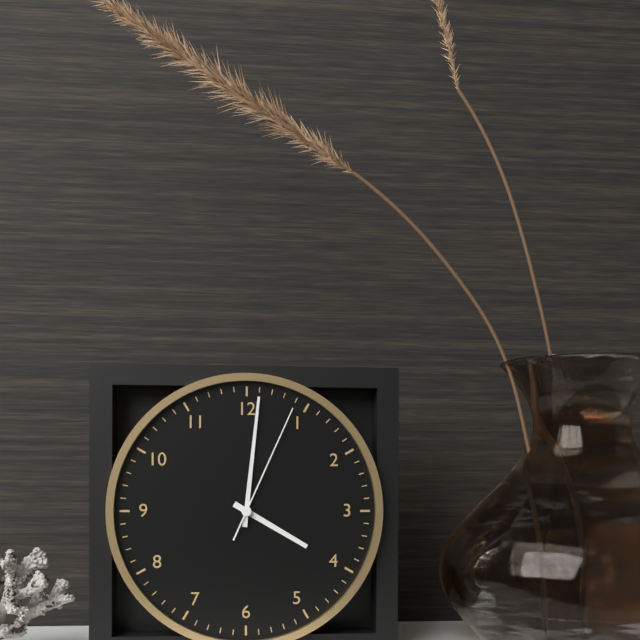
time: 4:01:04
